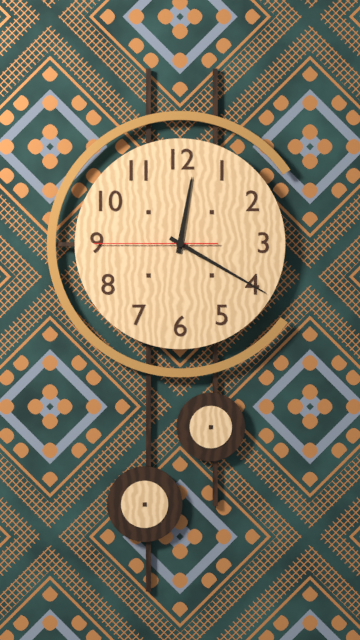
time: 12:20:45
